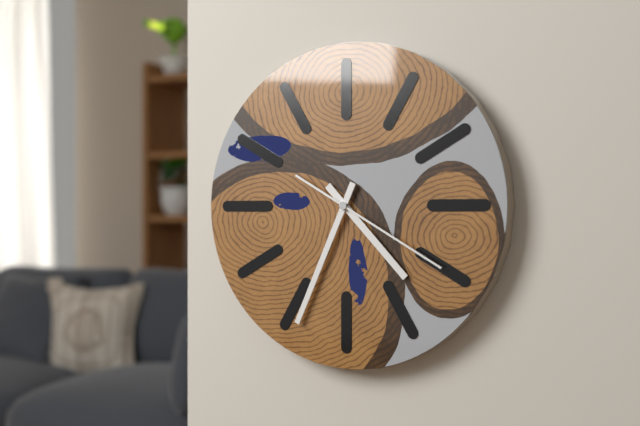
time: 4:34:20
